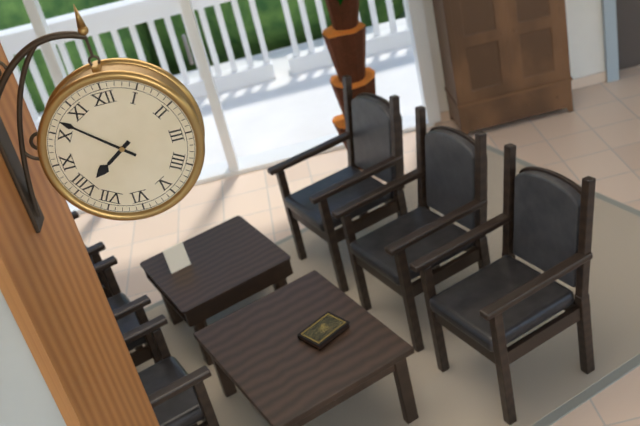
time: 7:52
